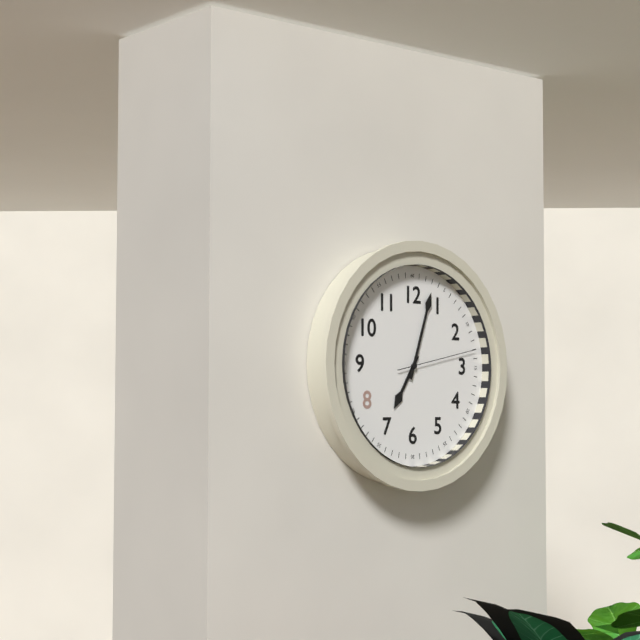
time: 7:03:13
